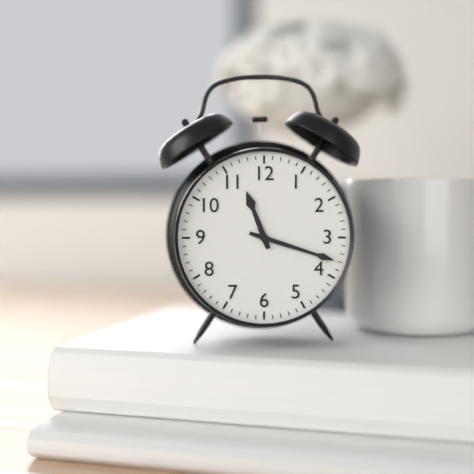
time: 11:18
